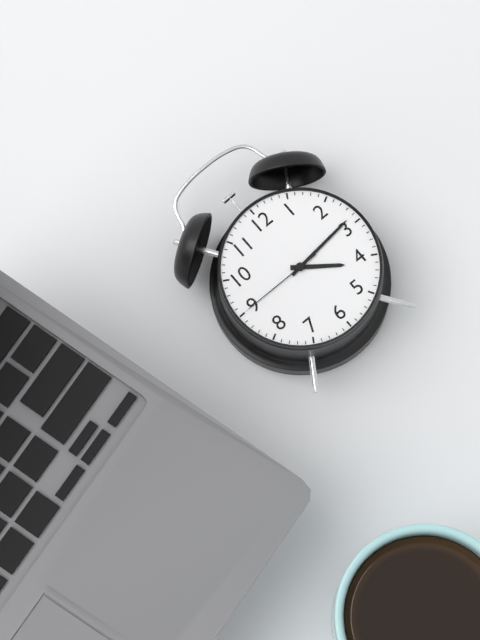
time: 4:14:45
